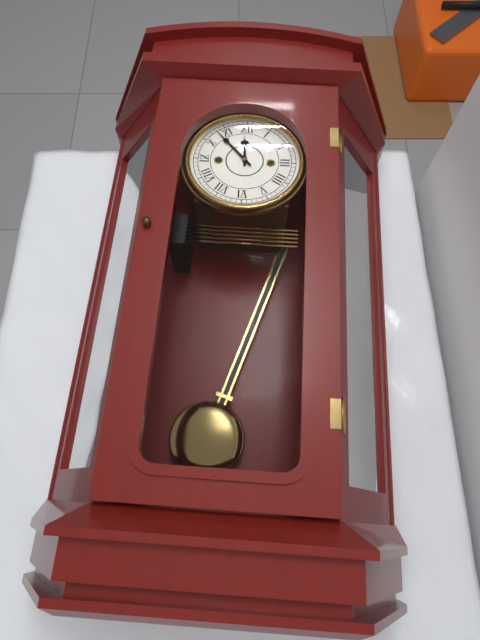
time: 11:53
